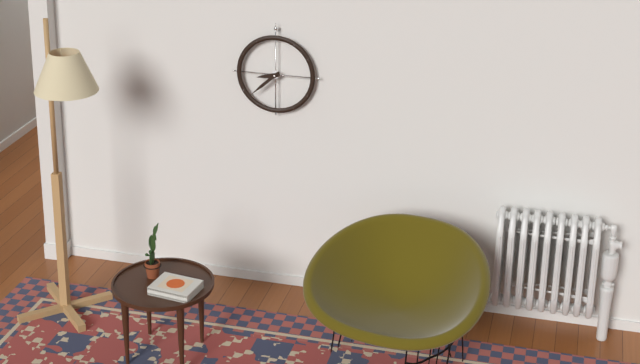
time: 8:38
